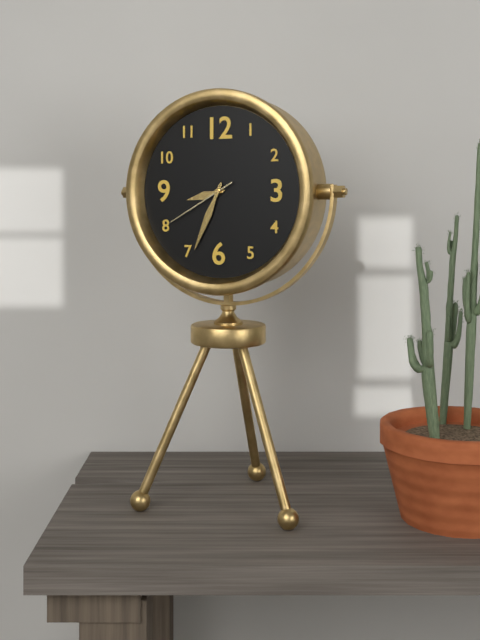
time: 8:34:40
